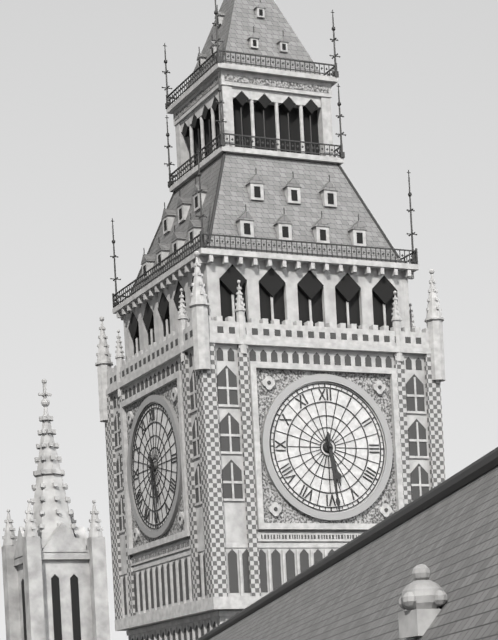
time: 5:29
